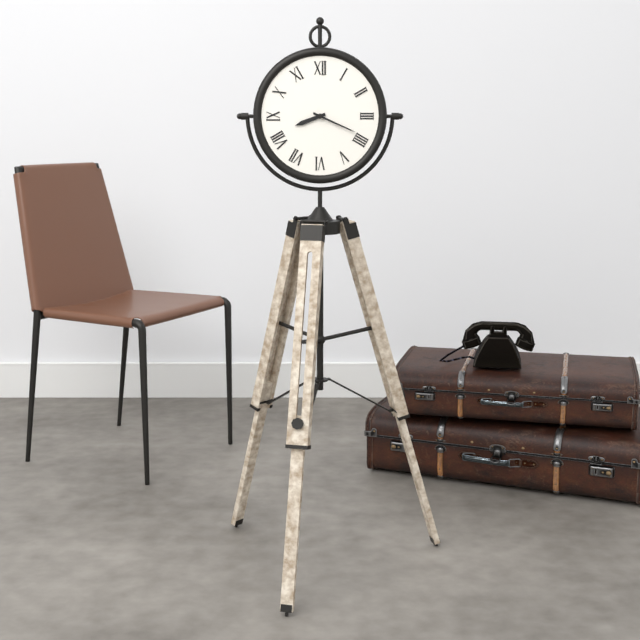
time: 8:19
